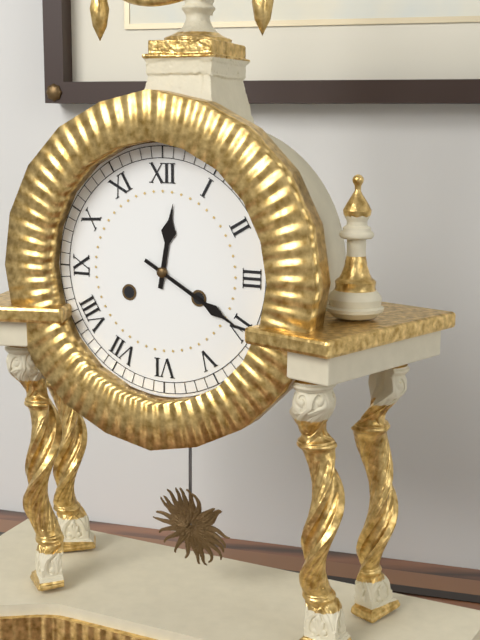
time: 12:20
